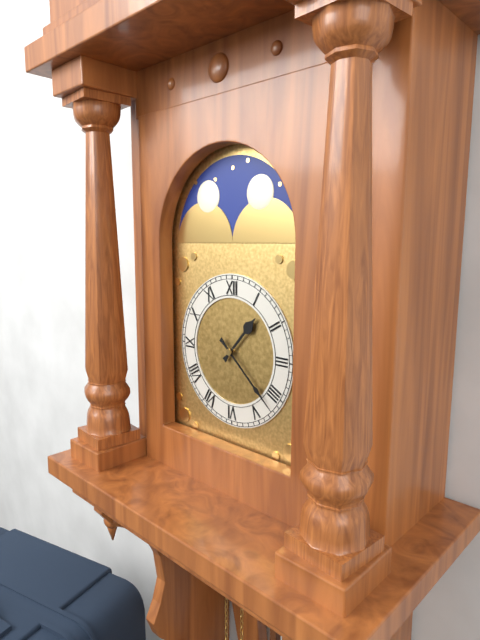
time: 1:22
